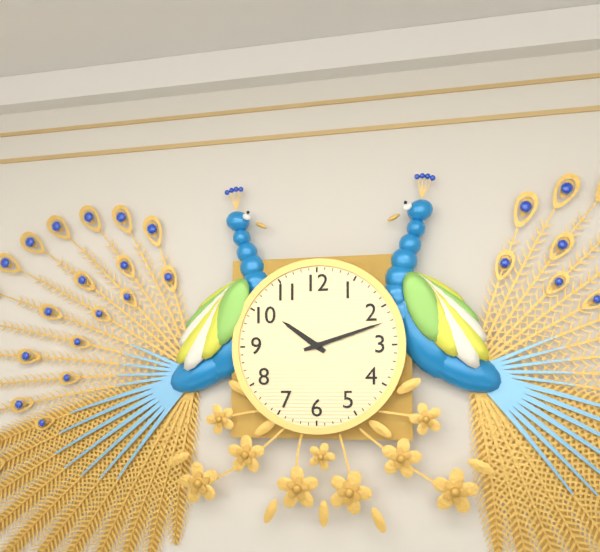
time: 10:12
